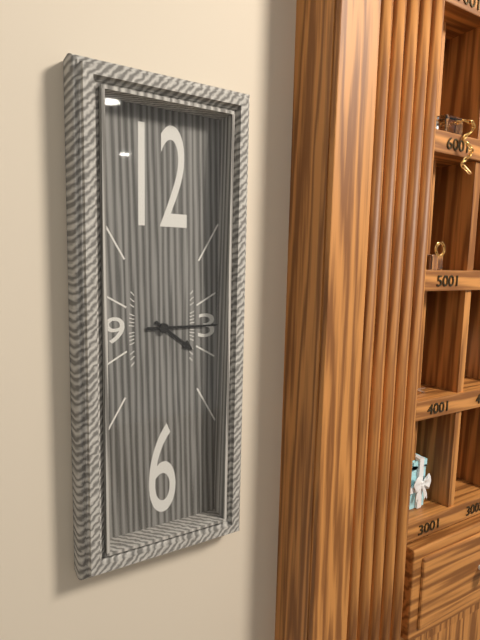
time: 4:15
